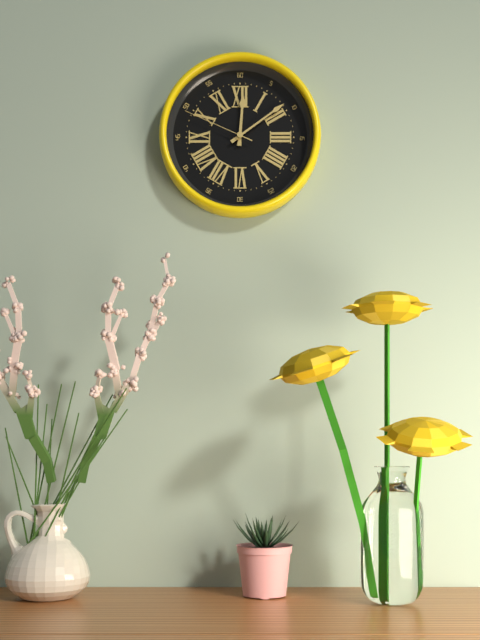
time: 12:09:49
